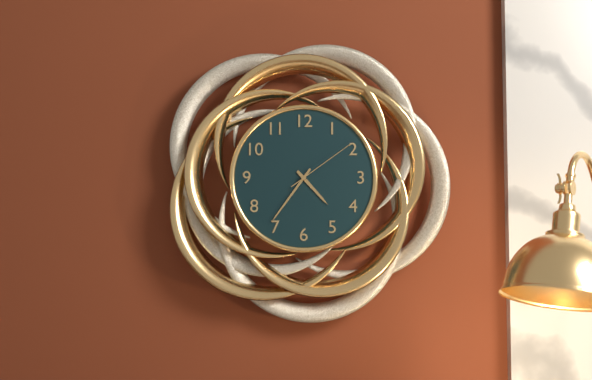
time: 4:36:09
